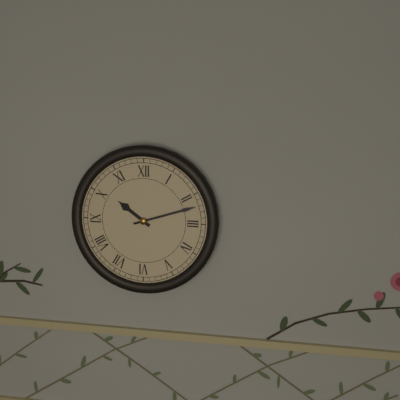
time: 10:12
